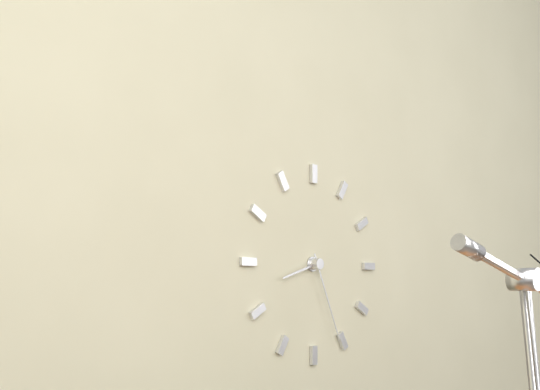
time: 8:26
